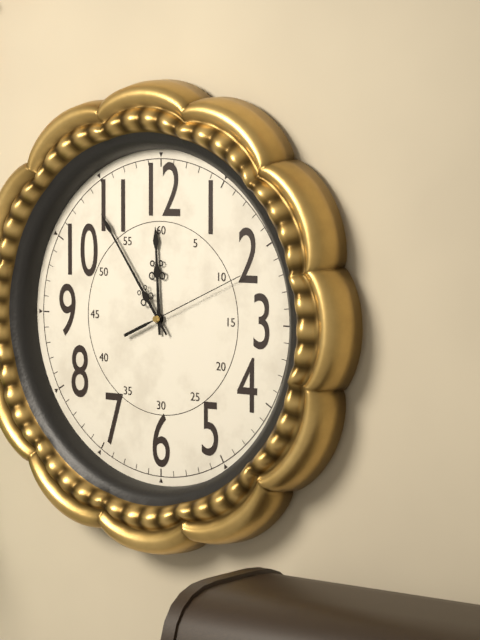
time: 11:54:11
